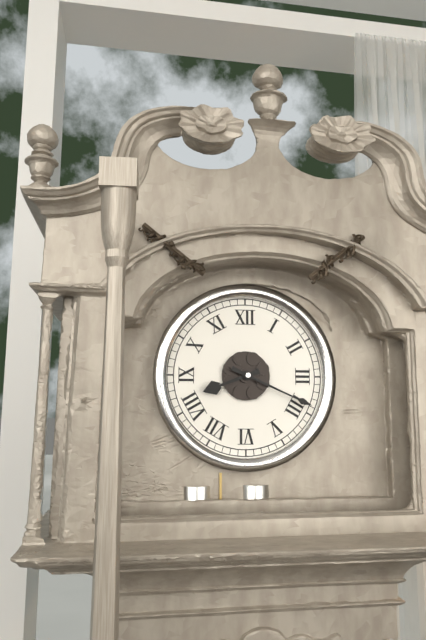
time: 8:19
